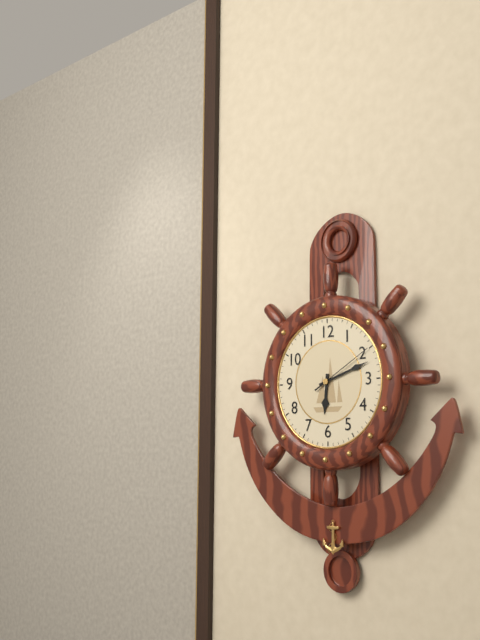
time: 6:12:10
